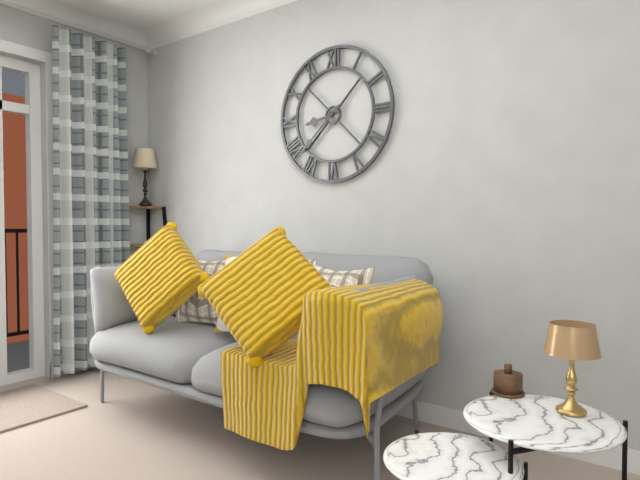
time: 8:38
